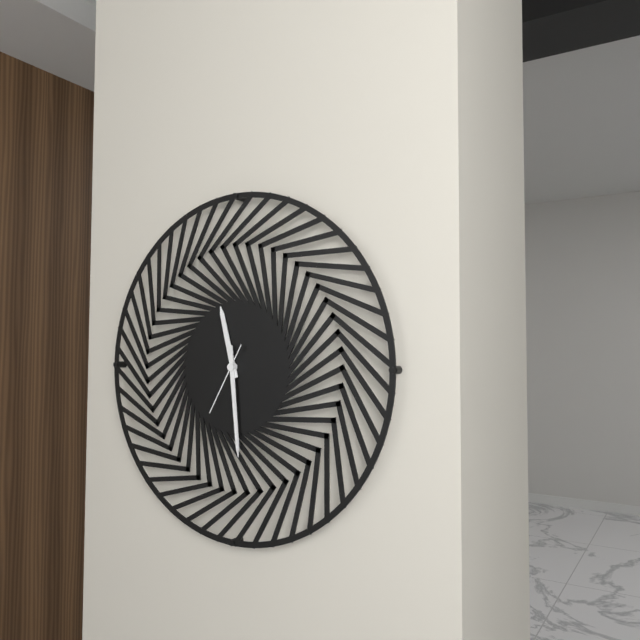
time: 11:29:35
